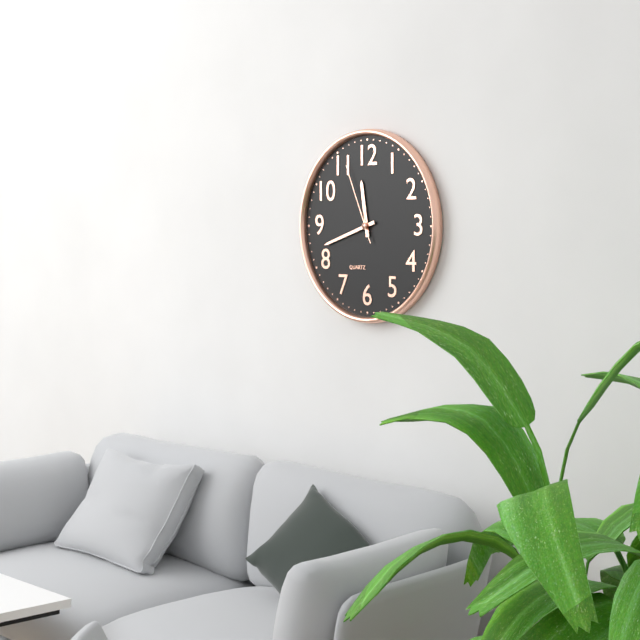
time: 11:42:56
